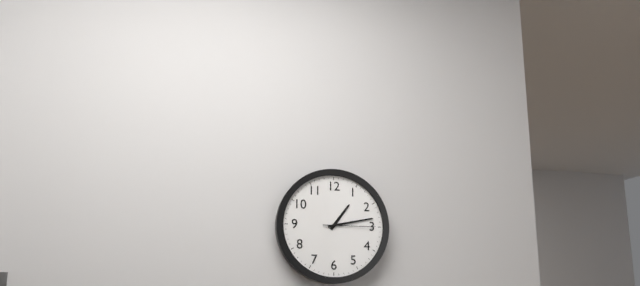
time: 1:13:15
